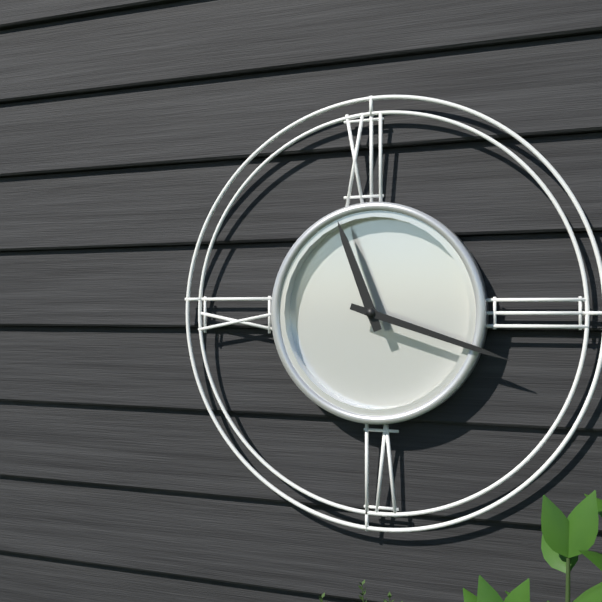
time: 11:18
